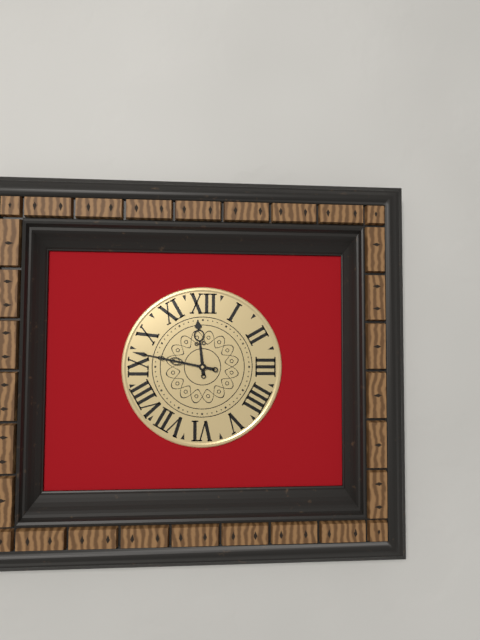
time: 11:47
